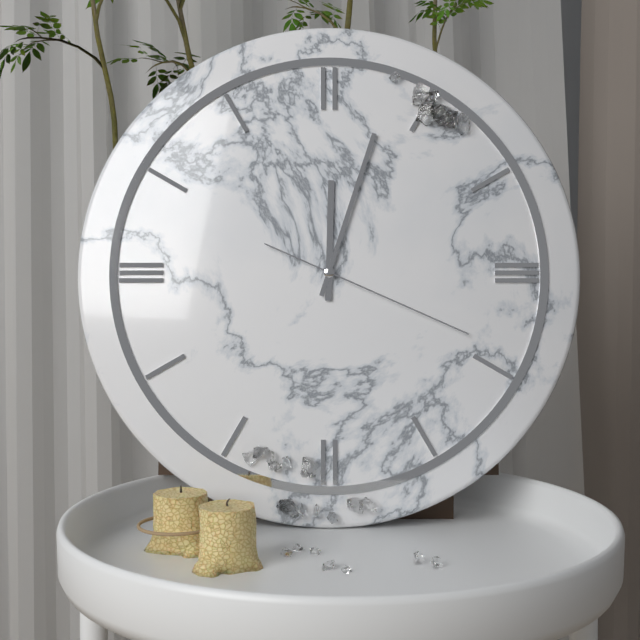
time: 12:03:19
